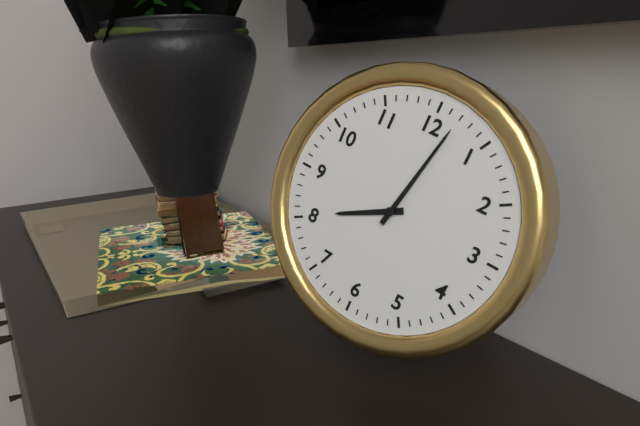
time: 8:02
